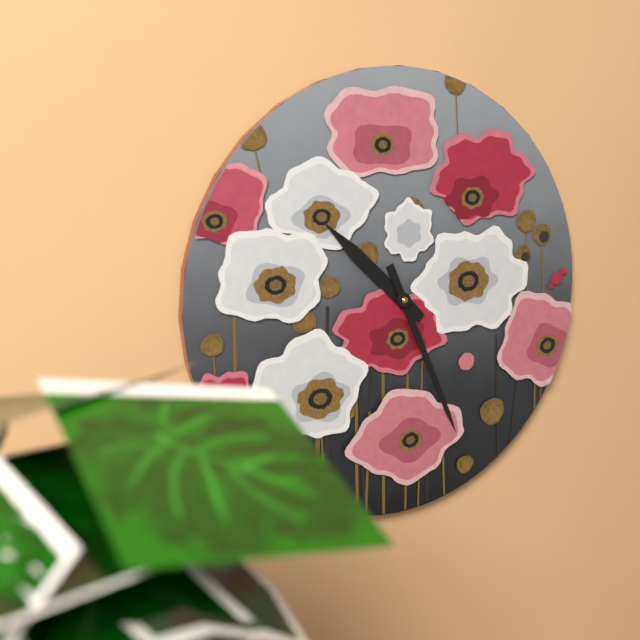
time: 10:26
